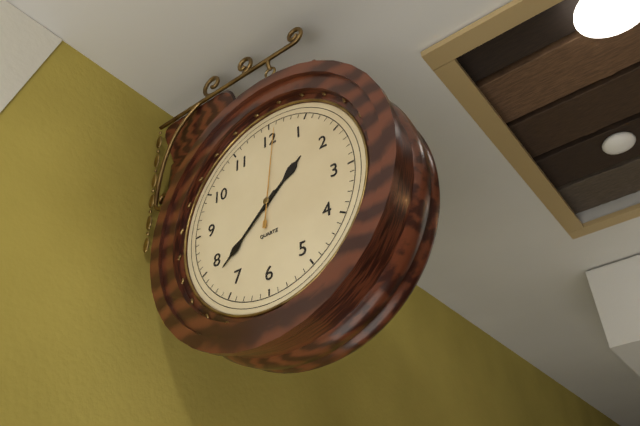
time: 1:38:01
